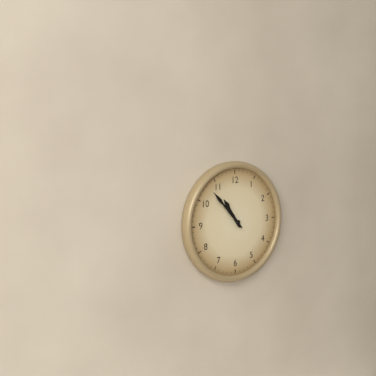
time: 10:53
